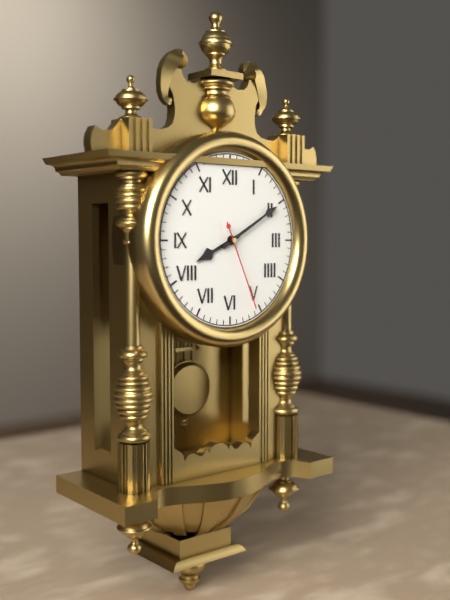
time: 8:10:26
